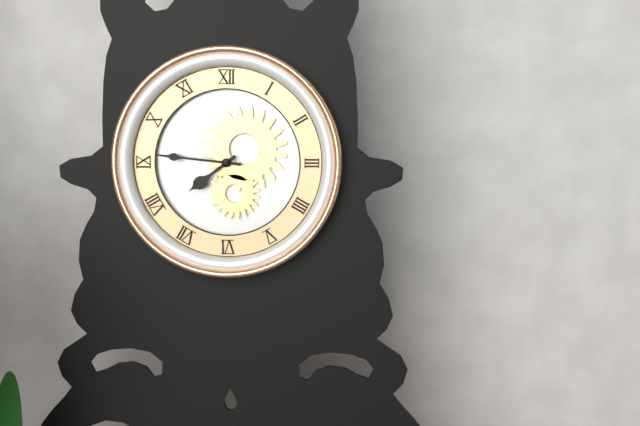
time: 7:46
